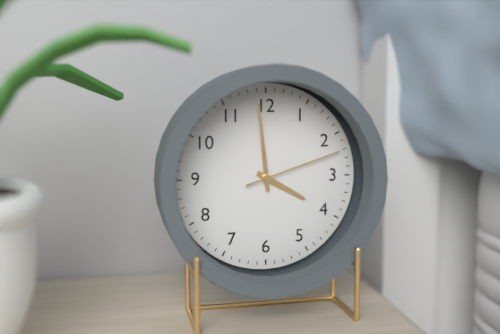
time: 3:59:12
